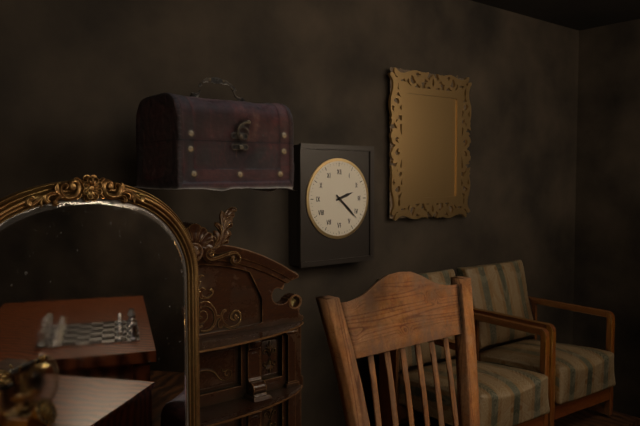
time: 2:22
